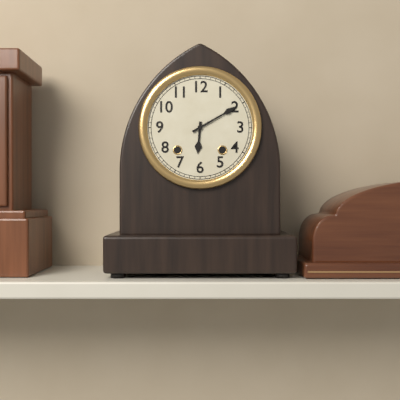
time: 6:10
